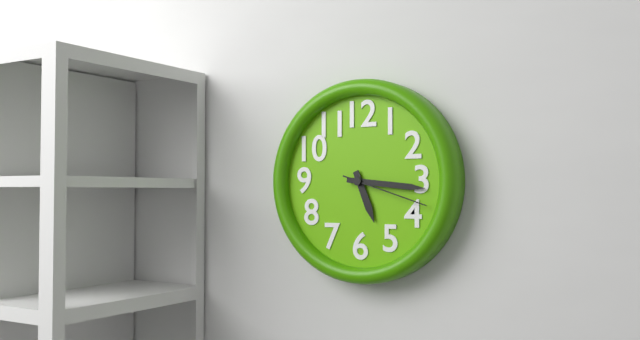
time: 5:16:18
